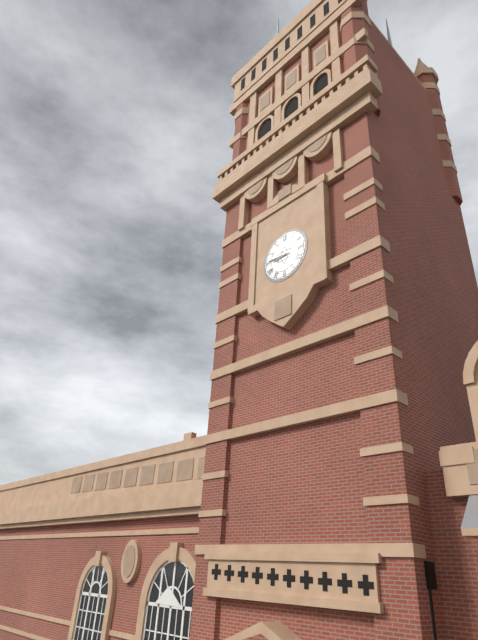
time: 8:46
